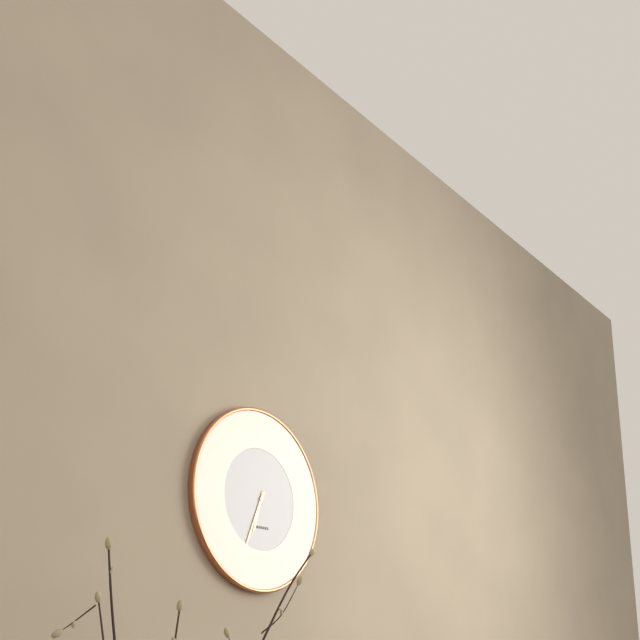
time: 6:34
